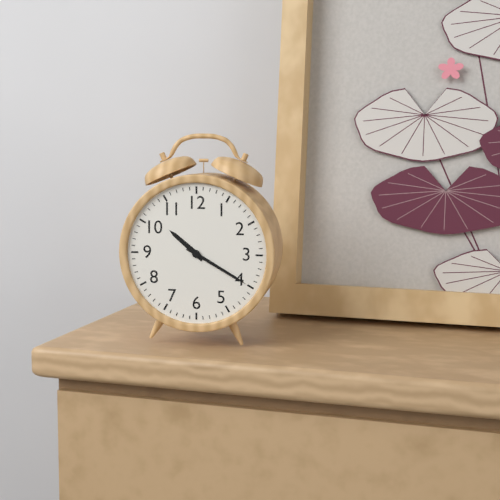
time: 10:20
